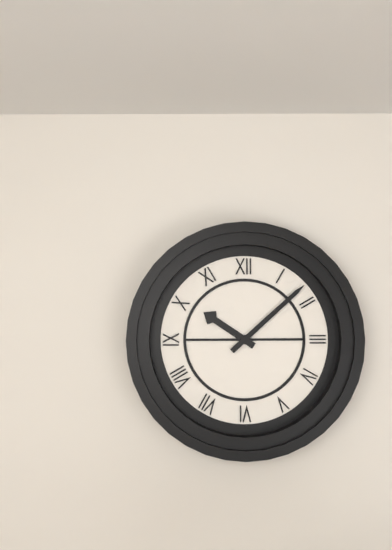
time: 10:08
